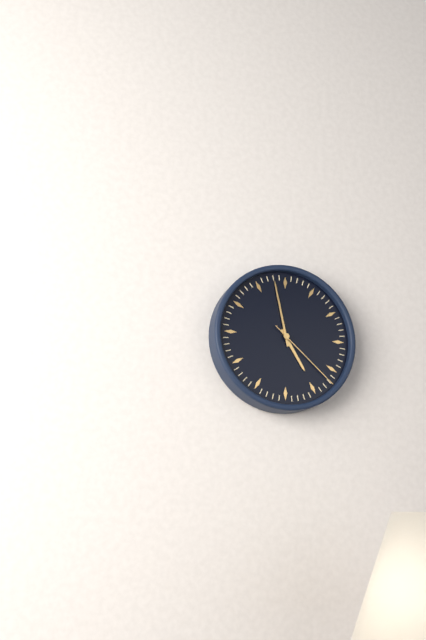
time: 4:58:22
